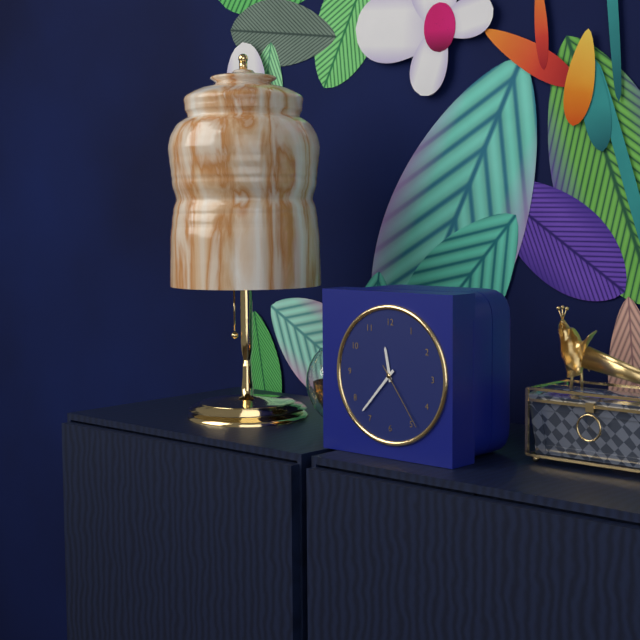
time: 11:37:24
